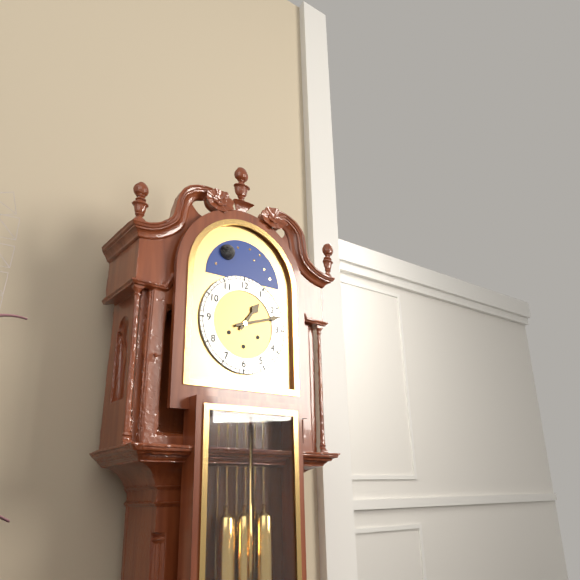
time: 1:12
